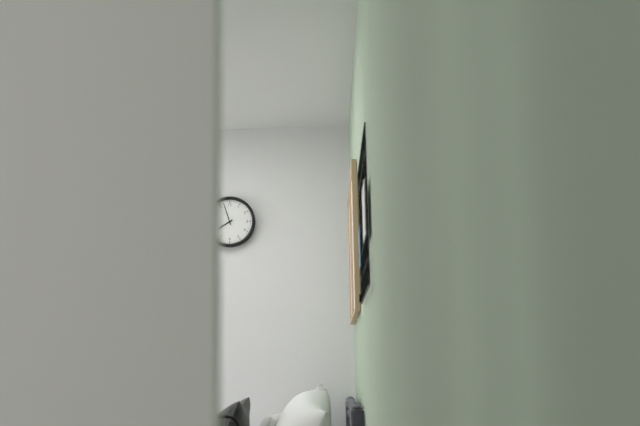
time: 7:57
